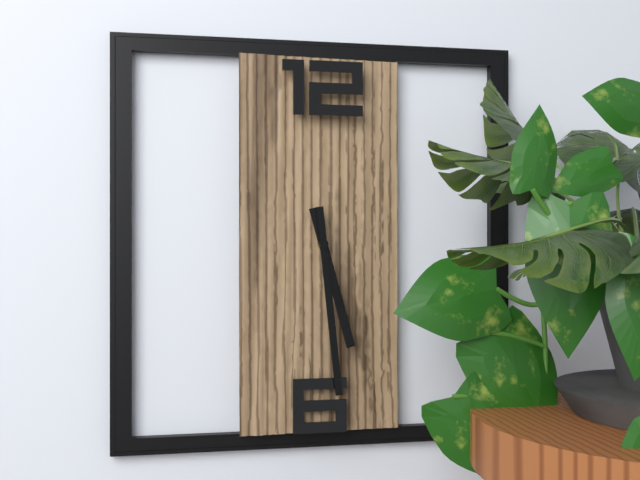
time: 5:29
